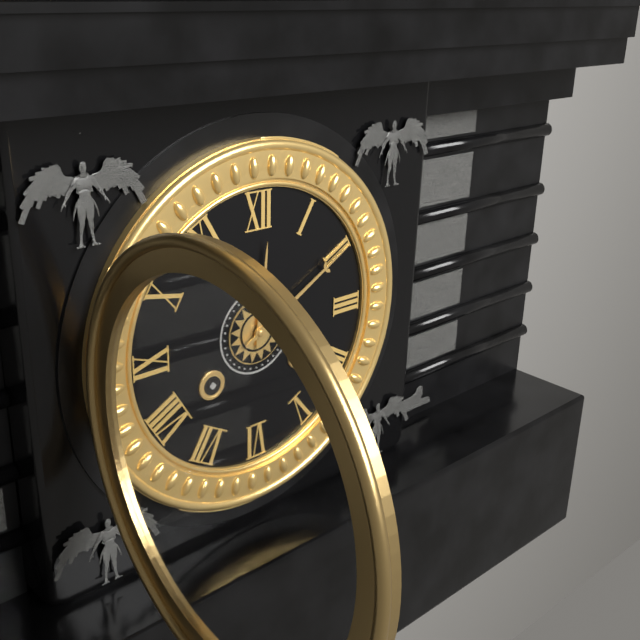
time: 12:10
